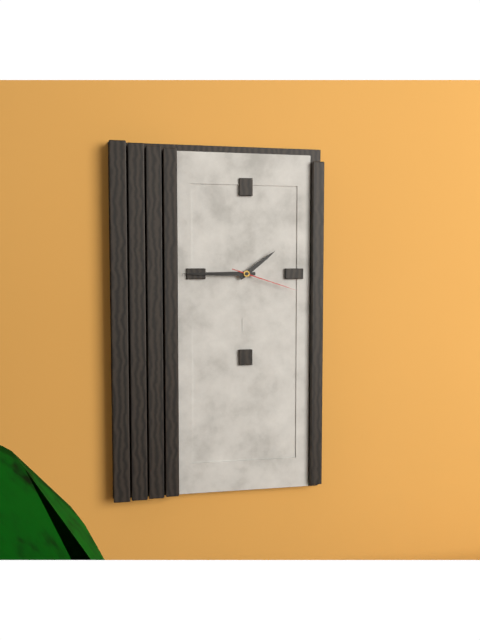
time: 1:45:18
